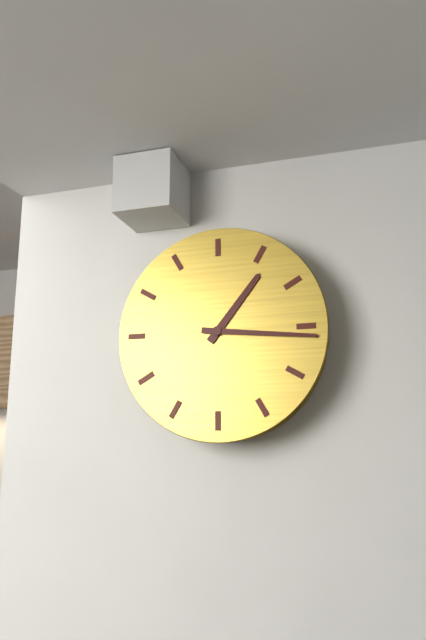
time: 1:16
